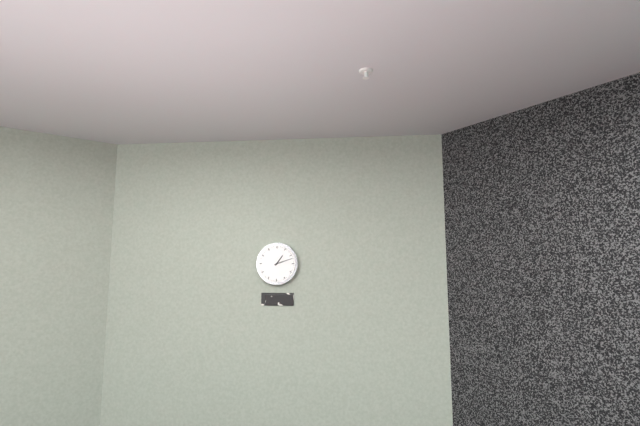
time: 1:12
